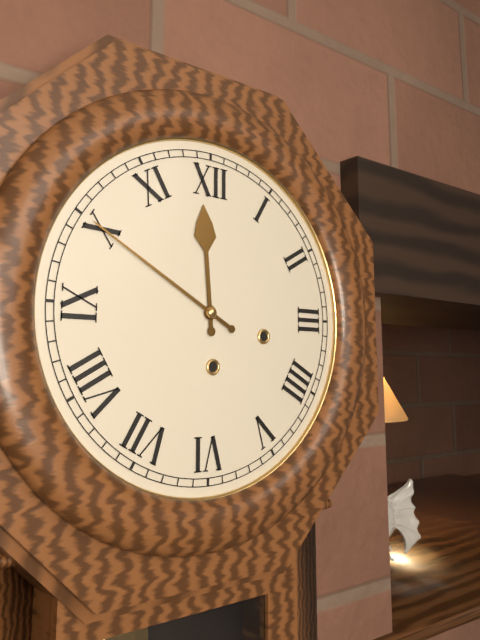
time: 11:50
